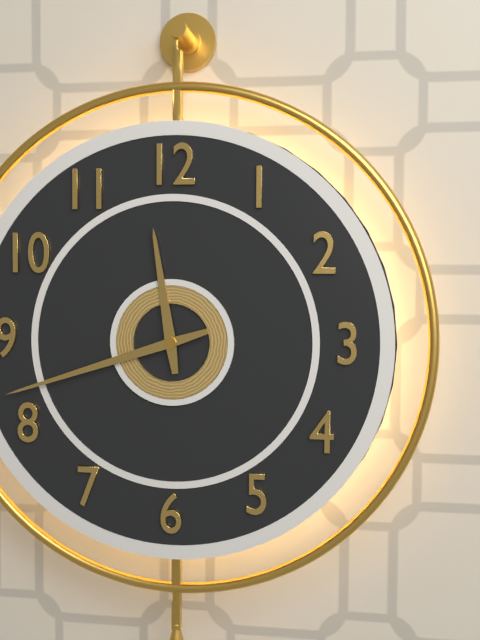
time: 11:42
